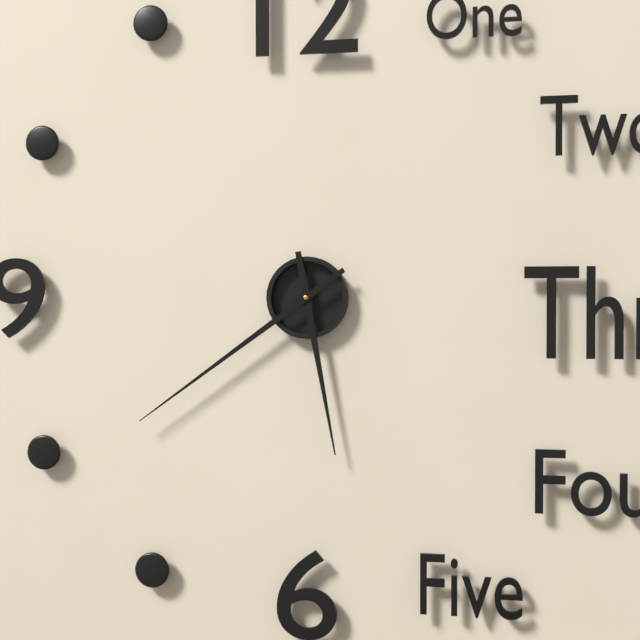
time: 5:39
